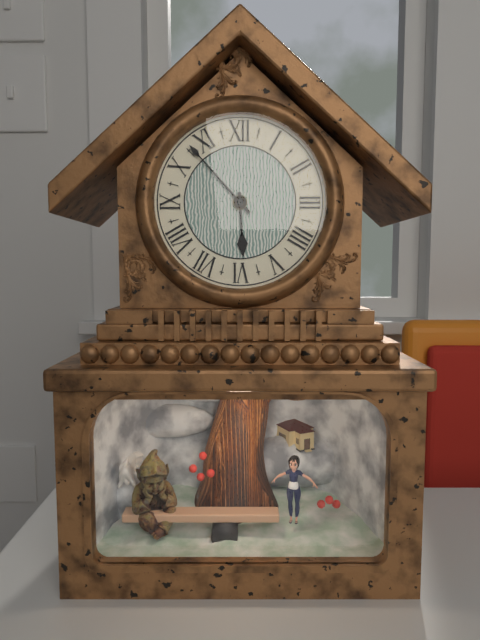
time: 5:53
